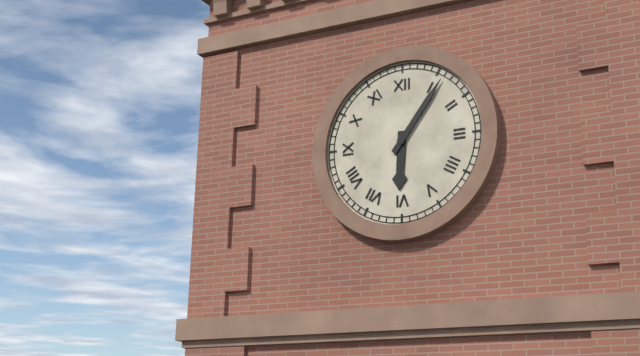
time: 6:06
